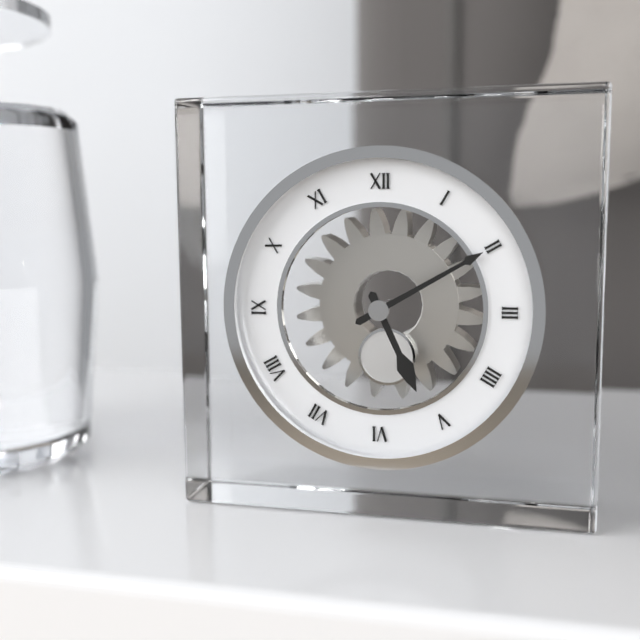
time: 5:10
